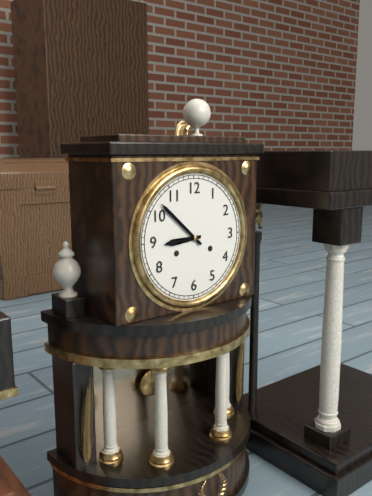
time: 8:52
